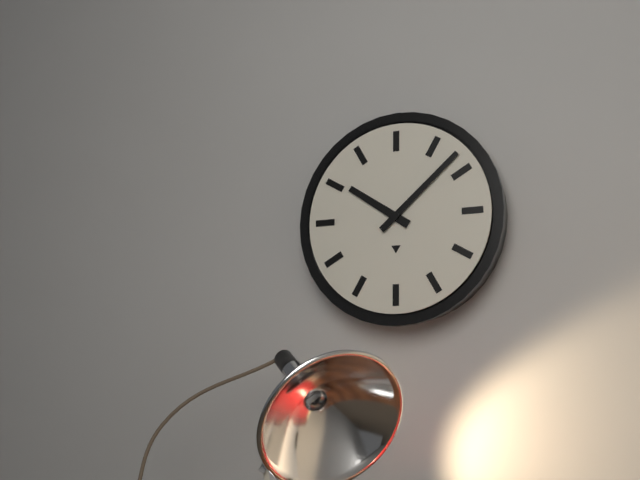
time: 10:08
